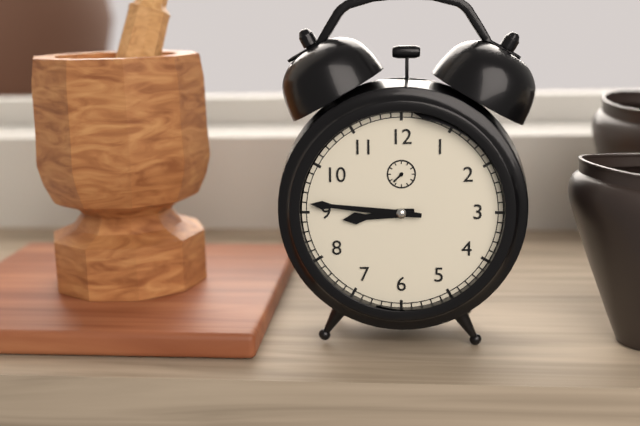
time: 8:46
